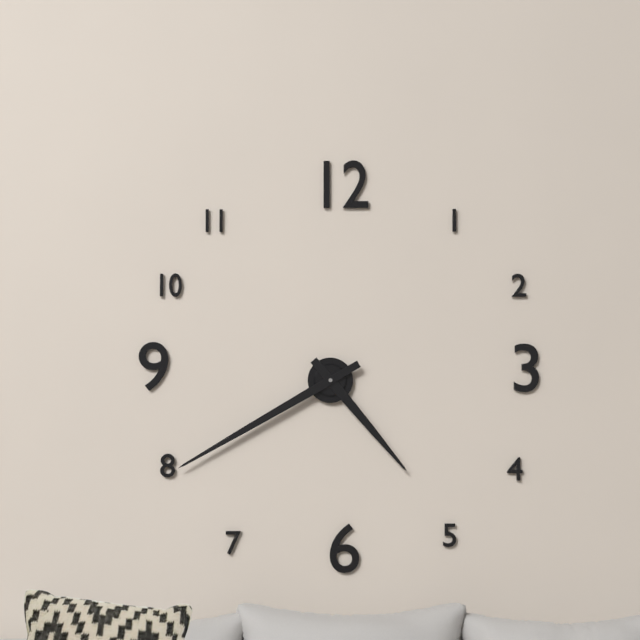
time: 4:40
